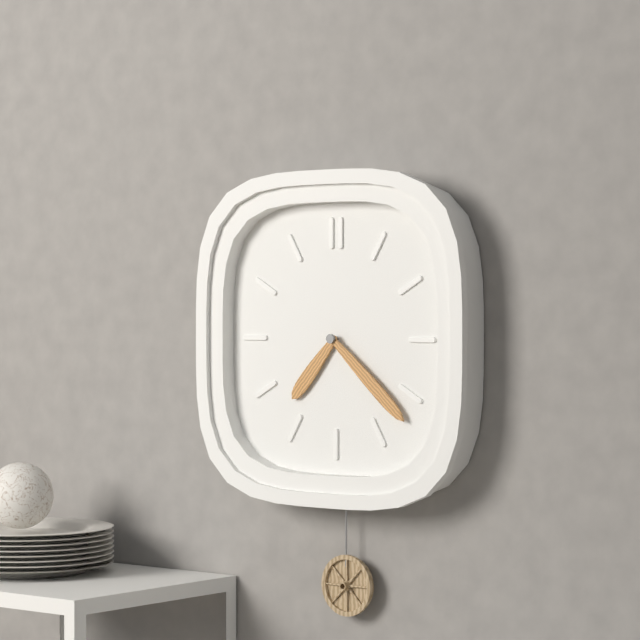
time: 7:22
